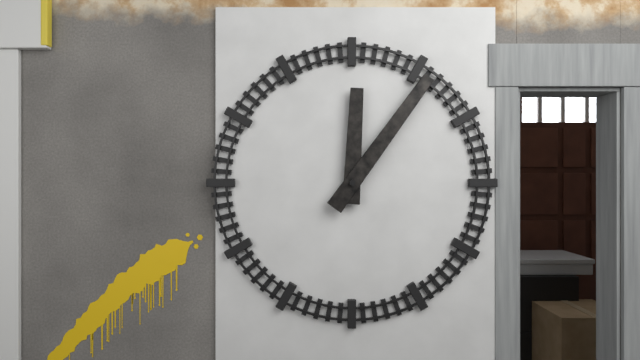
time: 12:06
